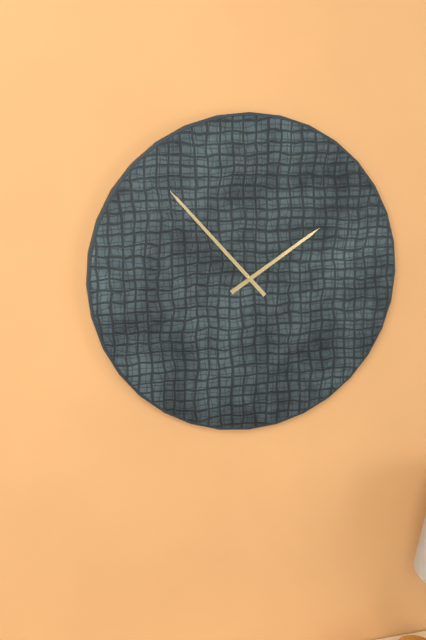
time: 1:53
